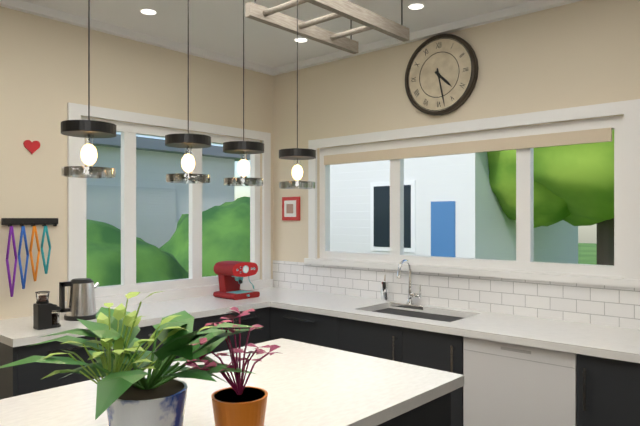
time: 4:28
